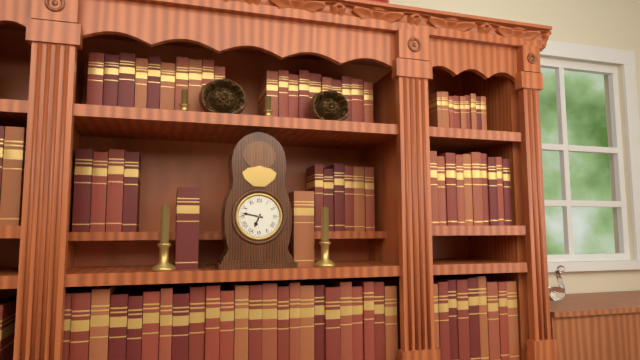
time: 6:47
